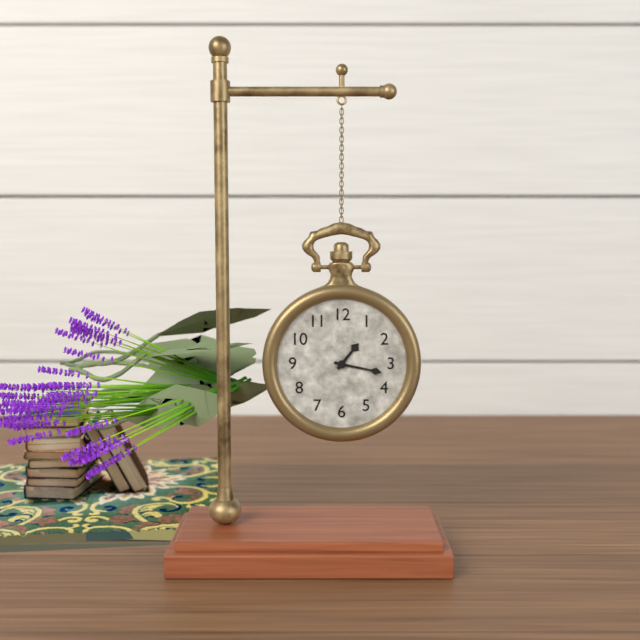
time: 1:17
